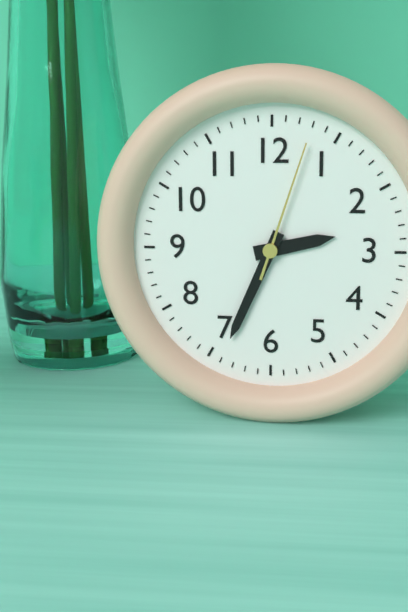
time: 2:34:03
